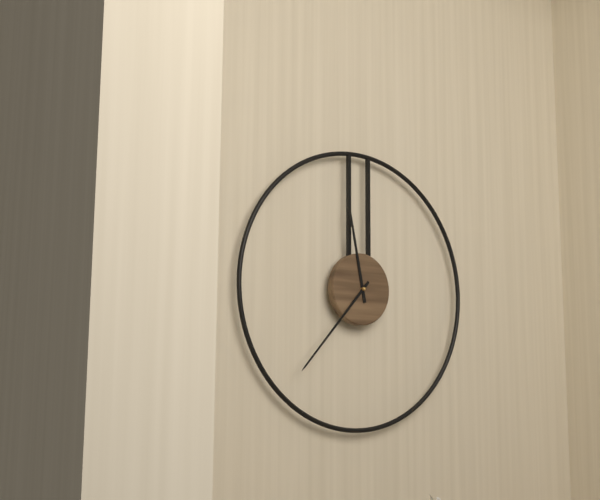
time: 11:37
